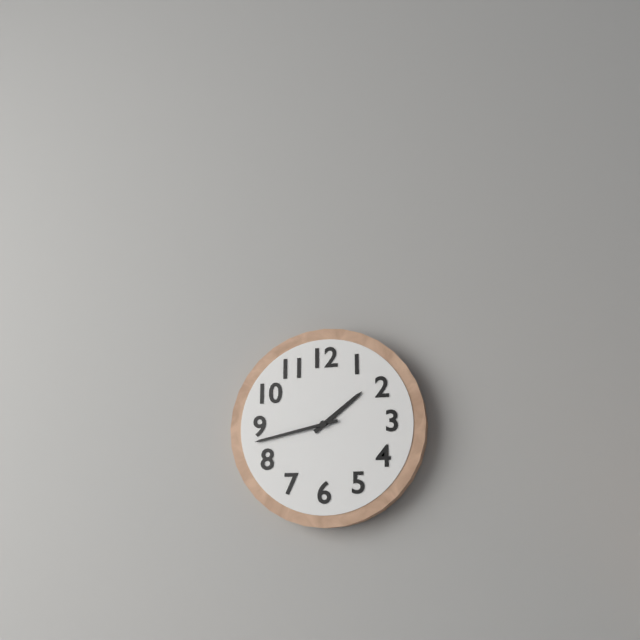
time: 1:43
